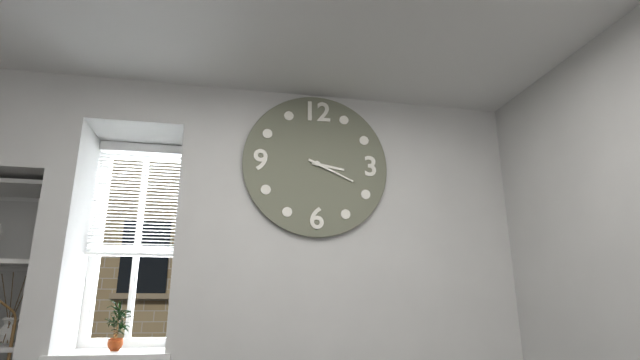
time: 3:19
